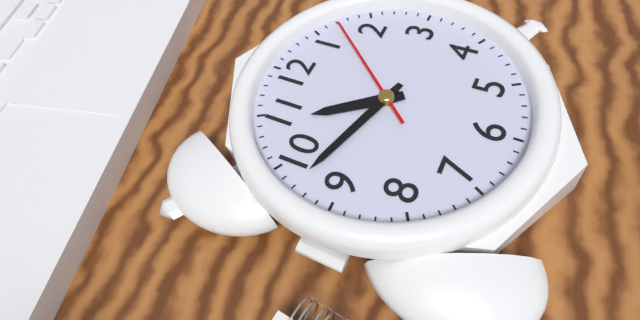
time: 10:48:07
